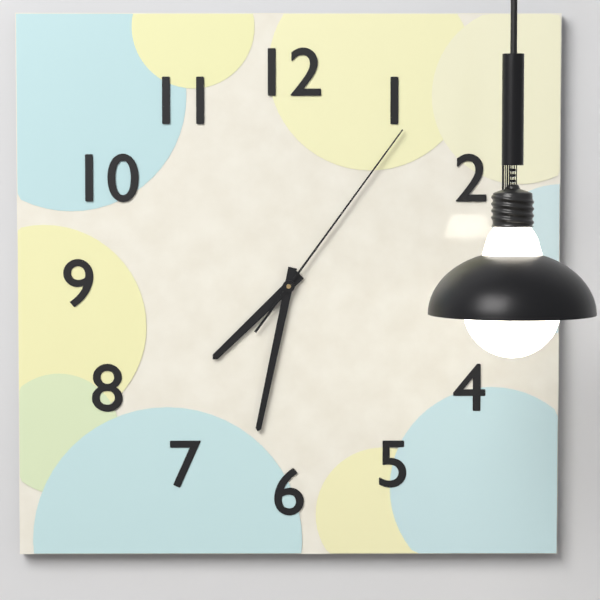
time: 7:32:06
